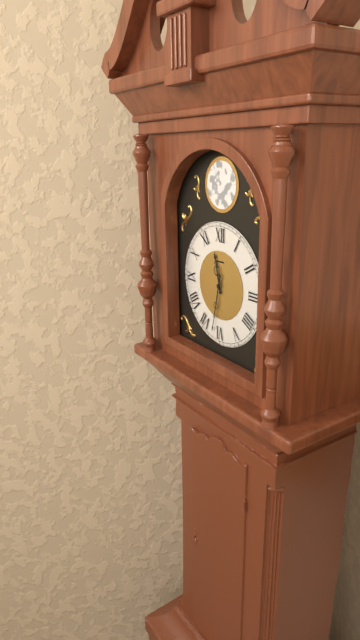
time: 11:32
